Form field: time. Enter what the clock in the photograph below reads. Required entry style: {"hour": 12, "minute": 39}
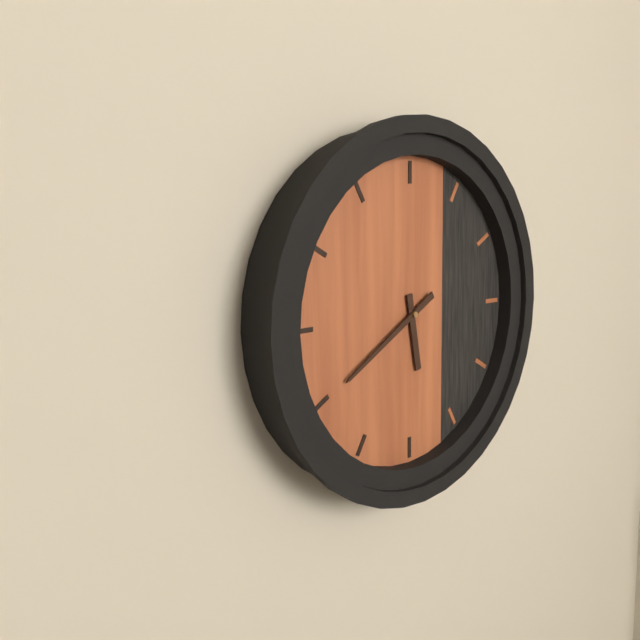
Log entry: {"hour": 5, "minute": 40}
